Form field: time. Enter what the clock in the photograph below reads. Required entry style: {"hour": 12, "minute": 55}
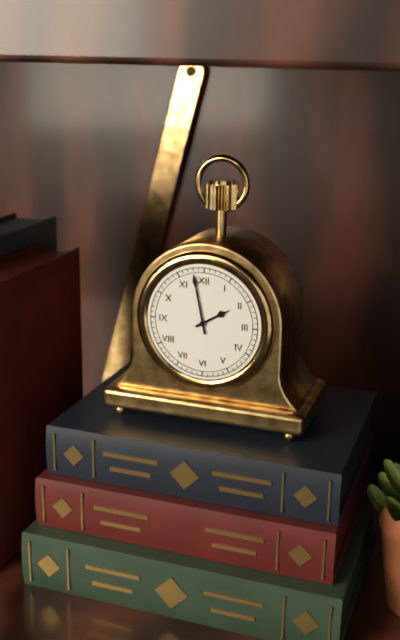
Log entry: {"hour": 1, "minute": 58}
